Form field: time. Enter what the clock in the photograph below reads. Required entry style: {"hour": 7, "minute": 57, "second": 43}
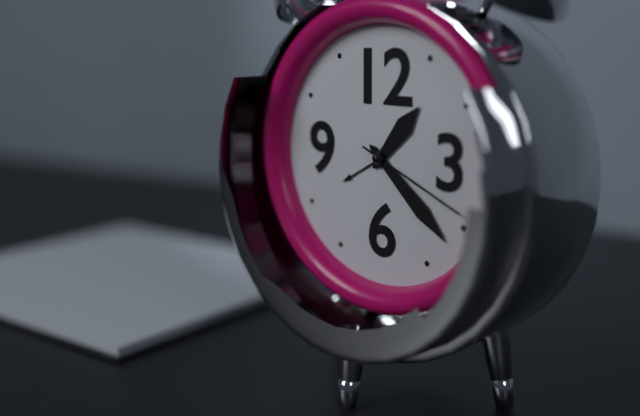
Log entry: {"hour": 1, "minute": 22, "second": 19}
